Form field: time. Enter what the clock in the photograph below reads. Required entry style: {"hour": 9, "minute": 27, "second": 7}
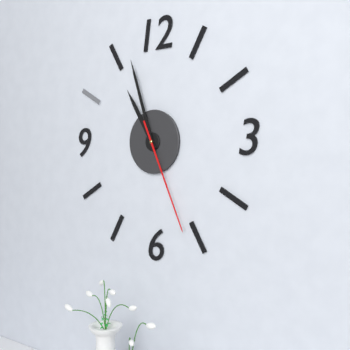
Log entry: {"hour": 10, "minute": 57, "second": 26}
